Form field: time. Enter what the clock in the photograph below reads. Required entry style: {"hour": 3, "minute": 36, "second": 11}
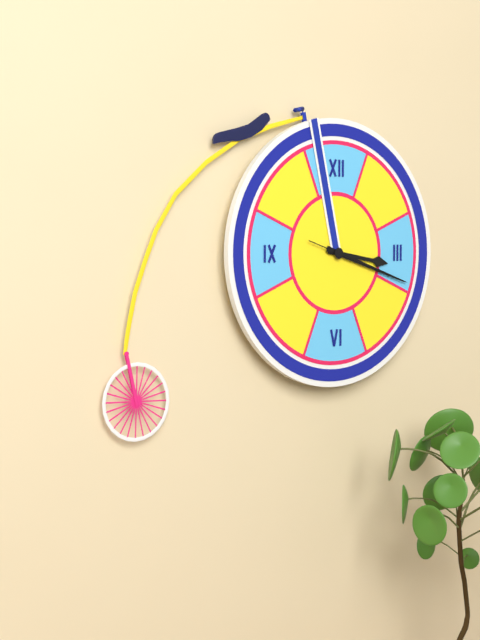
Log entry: {"hour": 3, "minute": 18, "second": 18}
